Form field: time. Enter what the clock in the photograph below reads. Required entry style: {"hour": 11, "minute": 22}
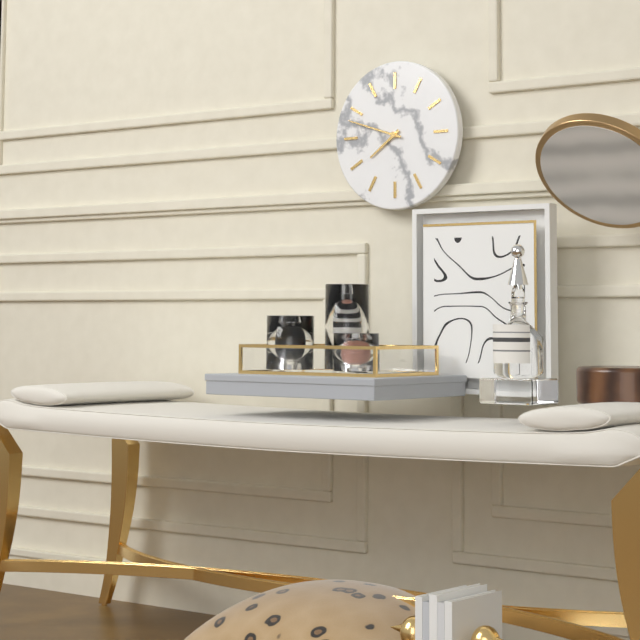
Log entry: {"hour": 7, "minute": 48}
